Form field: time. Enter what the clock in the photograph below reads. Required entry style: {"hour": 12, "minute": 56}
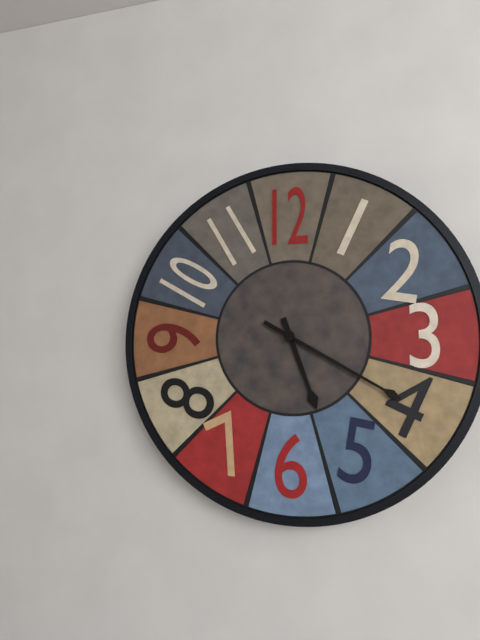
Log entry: {"hour": 5, "minute": 20}
